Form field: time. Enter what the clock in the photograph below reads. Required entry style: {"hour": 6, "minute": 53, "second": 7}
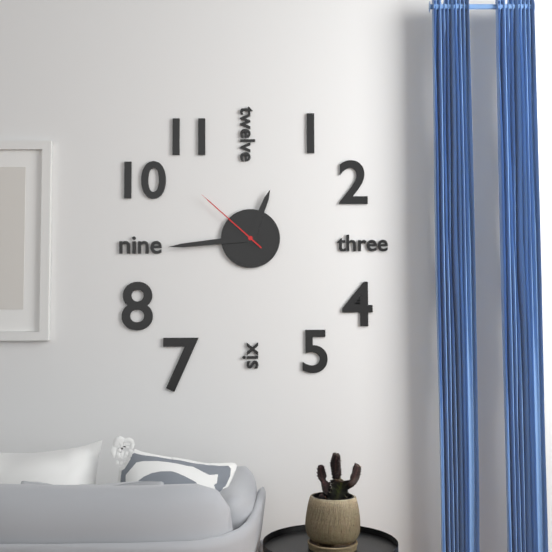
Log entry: {"hour": 12, "minute": 44, "second": 52}
